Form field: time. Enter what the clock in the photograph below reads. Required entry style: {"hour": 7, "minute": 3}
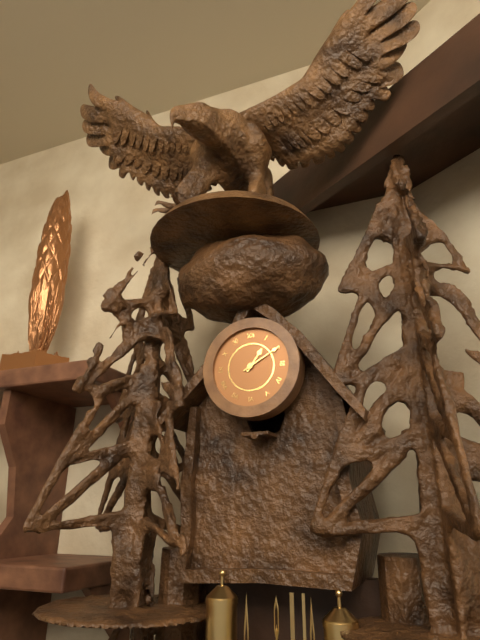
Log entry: {"hour": 1, "minute": 10}
